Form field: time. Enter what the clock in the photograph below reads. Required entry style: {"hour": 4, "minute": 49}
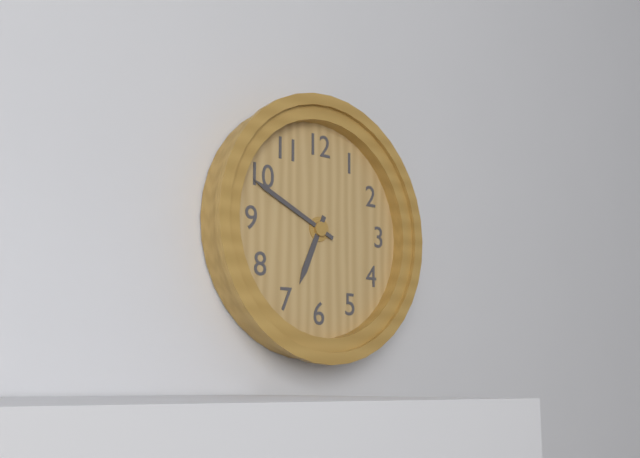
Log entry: {"hour": 6, "minute": 49}
